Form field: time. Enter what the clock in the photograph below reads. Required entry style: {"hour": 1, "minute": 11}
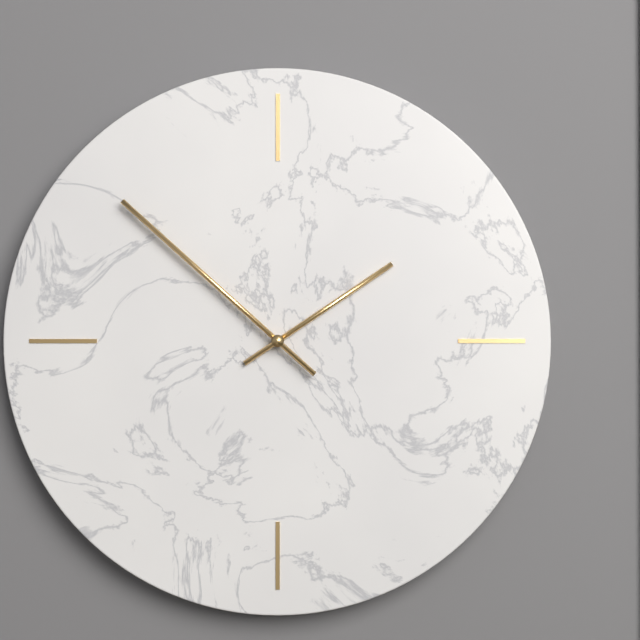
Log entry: {"hour": 1, "minute": 52}
